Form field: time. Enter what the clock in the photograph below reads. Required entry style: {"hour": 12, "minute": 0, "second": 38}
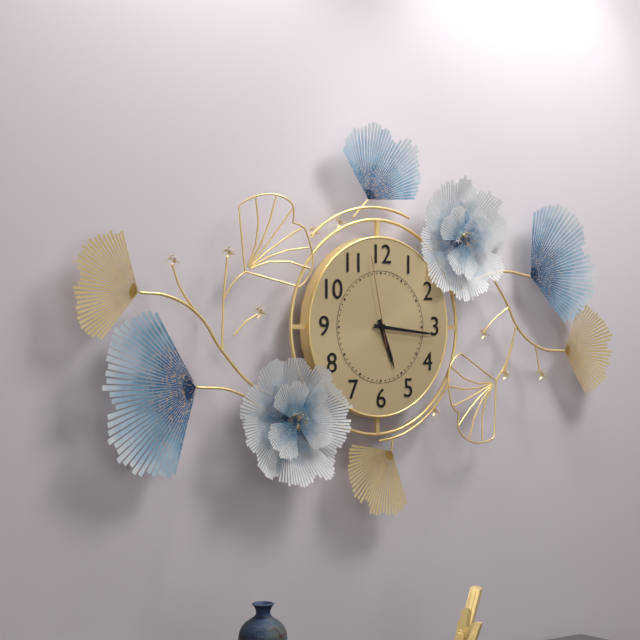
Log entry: {"hour": 5, "minute": 16, "second": 58}
